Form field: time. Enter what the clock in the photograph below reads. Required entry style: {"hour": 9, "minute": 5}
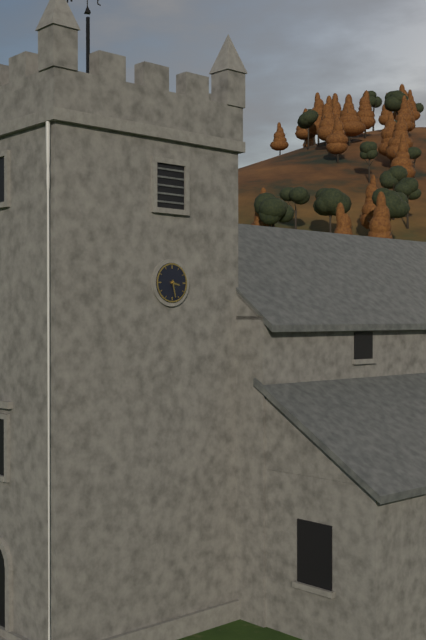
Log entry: {"hour": 3, "minute": 28}
